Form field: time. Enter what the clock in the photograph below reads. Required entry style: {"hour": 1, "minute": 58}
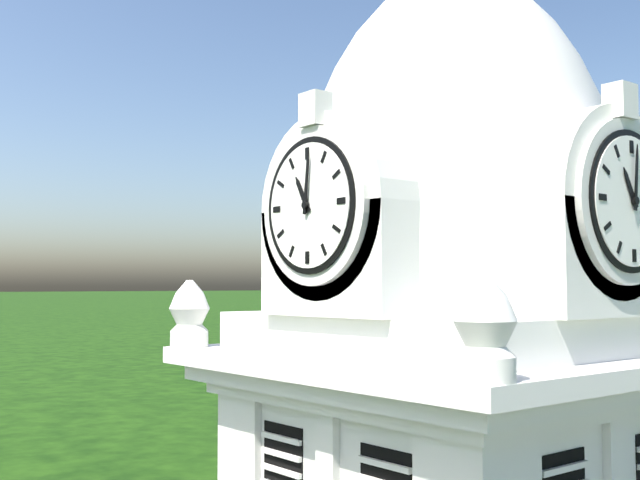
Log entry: {"hour": 11, "minute": 1}
